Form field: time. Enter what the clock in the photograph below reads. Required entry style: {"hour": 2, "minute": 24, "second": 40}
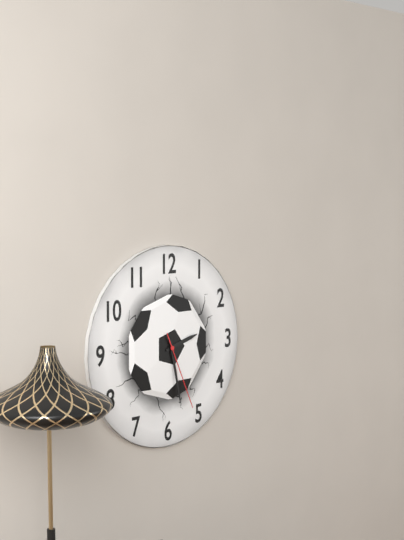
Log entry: {"hour": 2, "minute": 28, "second": 26}
